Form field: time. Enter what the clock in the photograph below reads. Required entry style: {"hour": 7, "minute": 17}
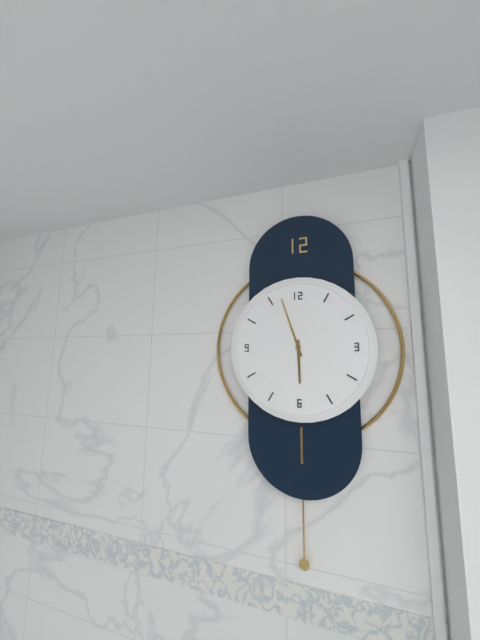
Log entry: {"hour": 5, "minute": 57}
